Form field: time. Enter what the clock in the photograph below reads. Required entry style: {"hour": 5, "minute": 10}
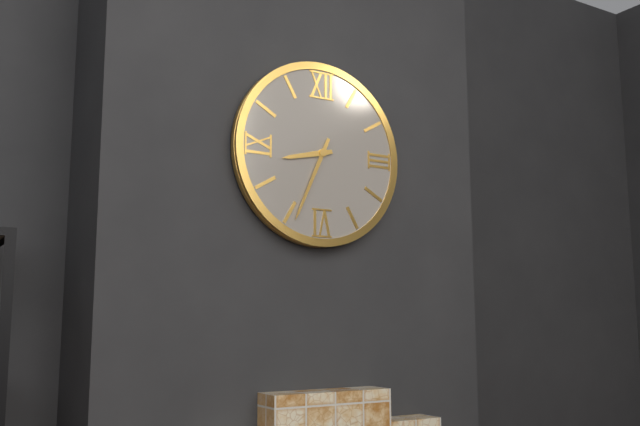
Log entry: {"hour": 8, "minute": 34}
